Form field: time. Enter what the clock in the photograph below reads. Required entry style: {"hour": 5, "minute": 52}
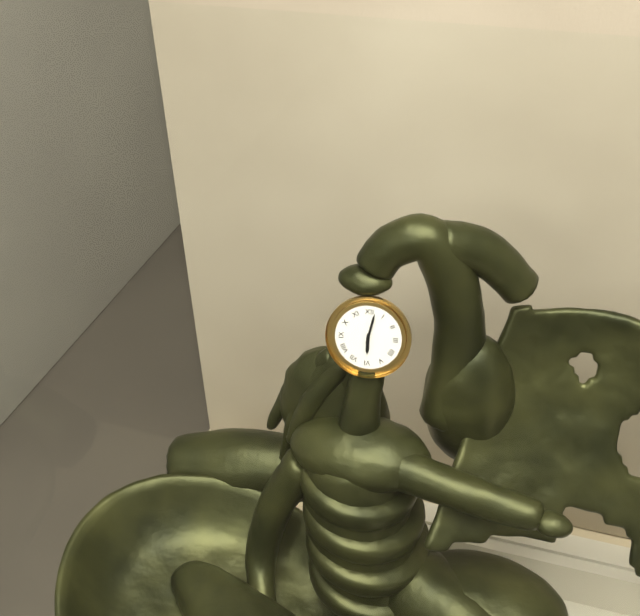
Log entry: {"hour": 6, "minute": 2}
